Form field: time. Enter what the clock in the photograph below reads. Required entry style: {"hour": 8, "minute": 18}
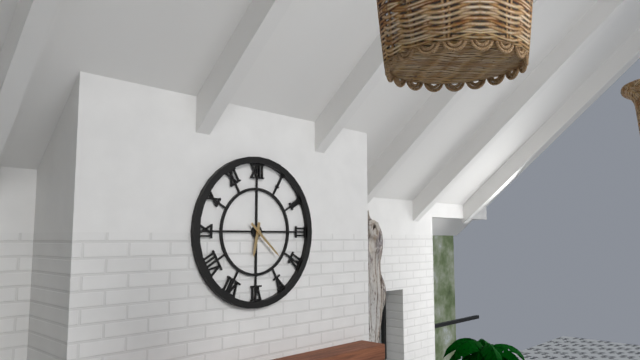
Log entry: {"hour": 6, "minute": 22}
